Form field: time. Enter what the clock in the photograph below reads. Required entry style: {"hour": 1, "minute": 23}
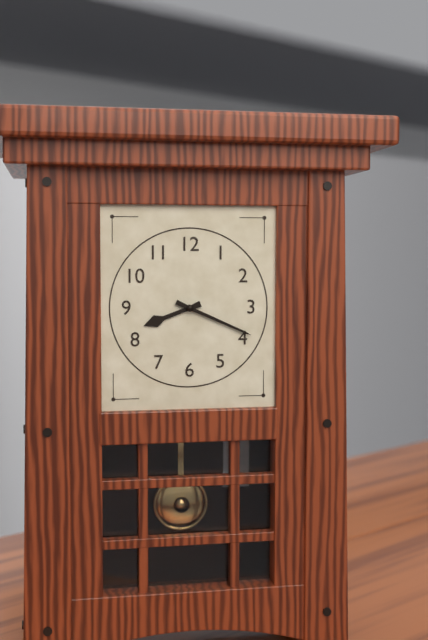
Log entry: {"hour": 8, "minute": 19}
